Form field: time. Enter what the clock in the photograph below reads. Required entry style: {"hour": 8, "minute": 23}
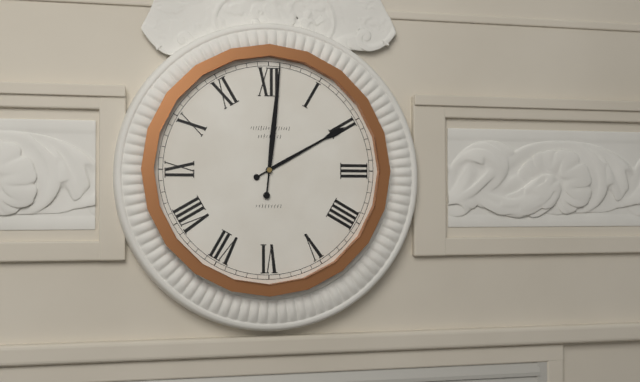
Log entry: {"hour": 2, "minute": 1}
